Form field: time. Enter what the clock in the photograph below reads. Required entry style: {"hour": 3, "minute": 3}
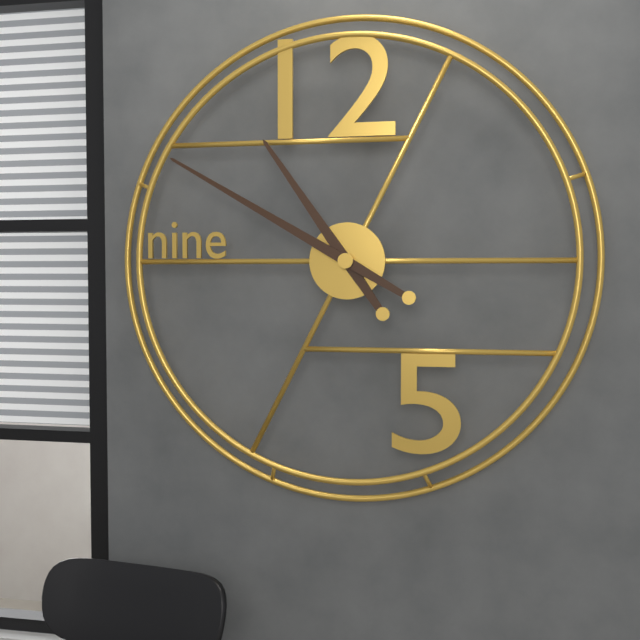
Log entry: {"hour": 10, "minute": 50}
